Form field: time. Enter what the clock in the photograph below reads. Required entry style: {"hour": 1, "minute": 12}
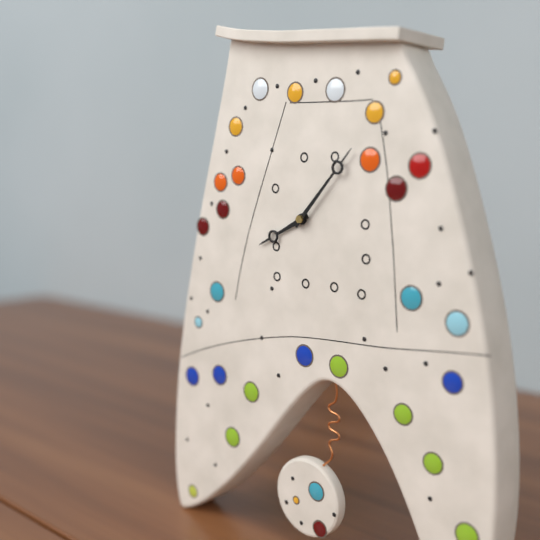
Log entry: {"hour": 8, "minute": 7}
